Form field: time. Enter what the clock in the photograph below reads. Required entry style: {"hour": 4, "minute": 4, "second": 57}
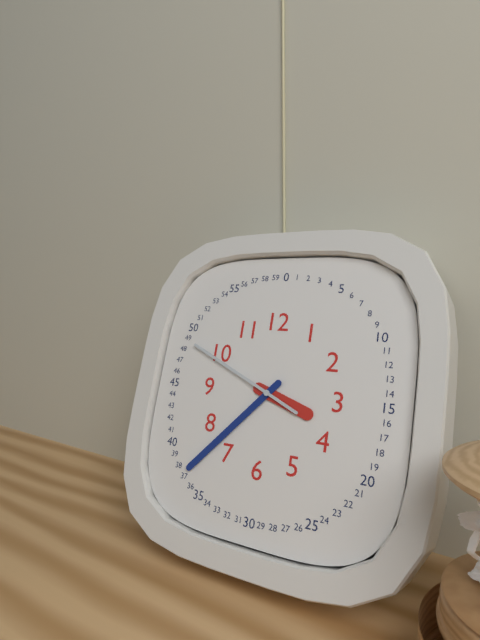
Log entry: {"hour": 3, "minute": 37, "second": 49}
